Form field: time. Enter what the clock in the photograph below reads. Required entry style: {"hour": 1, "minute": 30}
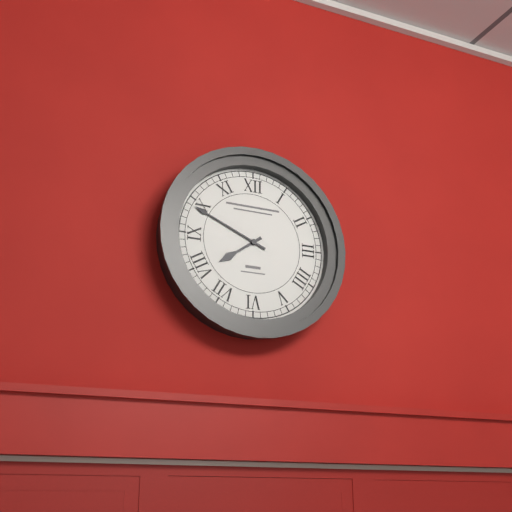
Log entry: {"hour": 7, "minute": 49}
